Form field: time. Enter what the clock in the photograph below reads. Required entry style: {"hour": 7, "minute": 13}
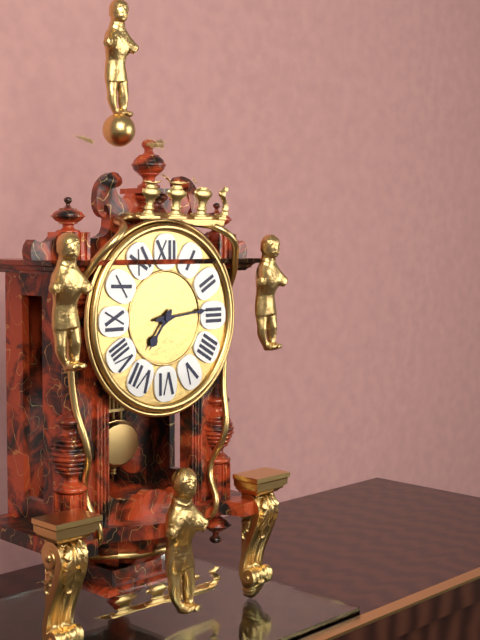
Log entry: {"hour": 7, "minute": 14}
